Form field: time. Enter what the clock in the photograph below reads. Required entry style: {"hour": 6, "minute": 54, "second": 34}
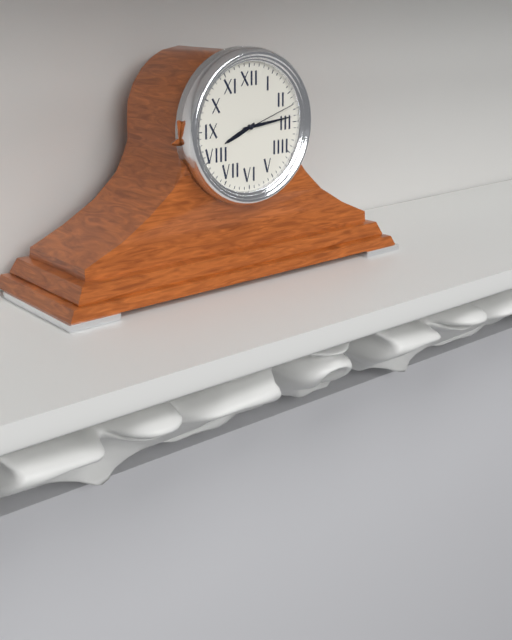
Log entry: {"hour": 8, "minute": 14, "second": 12}
